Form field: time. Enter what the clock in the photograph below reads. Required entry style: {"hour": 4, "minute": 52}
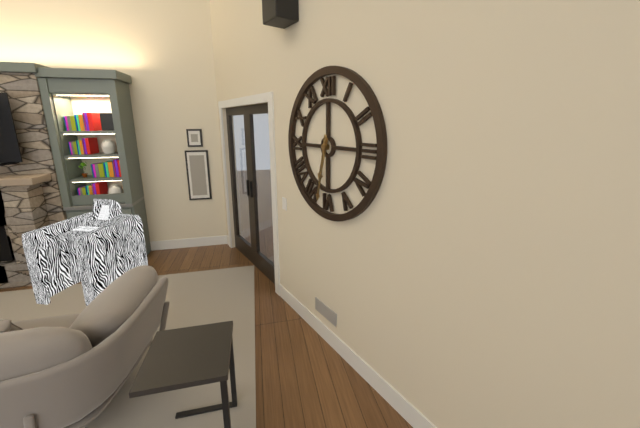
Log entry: {"hour": 6, "minute": 32}
